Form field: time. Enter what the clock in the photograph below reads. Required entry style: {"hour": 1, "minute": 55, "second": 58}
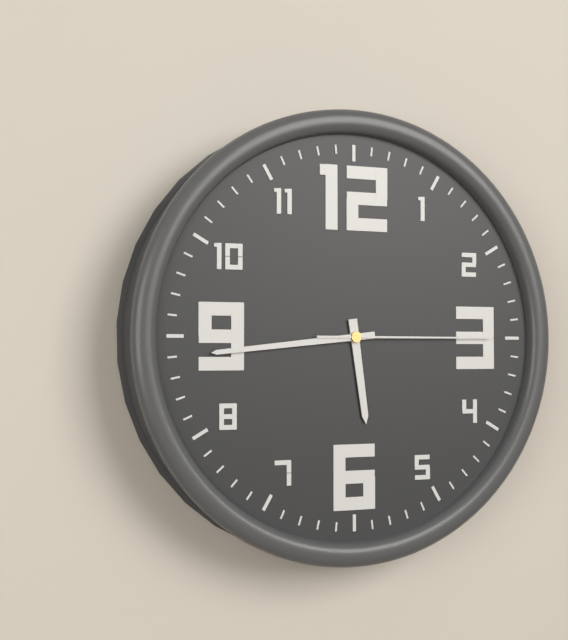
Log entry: {"hour": 5, "minute": 44, "second": 15}
